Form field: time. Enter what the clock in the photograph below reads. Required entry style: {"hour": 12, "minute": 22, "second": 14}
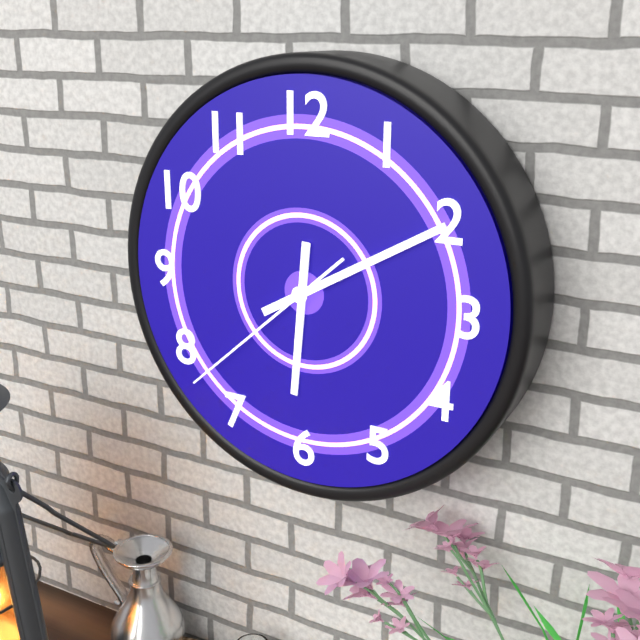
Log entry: {"hour": 6, "minute": 10, "second": 38}
